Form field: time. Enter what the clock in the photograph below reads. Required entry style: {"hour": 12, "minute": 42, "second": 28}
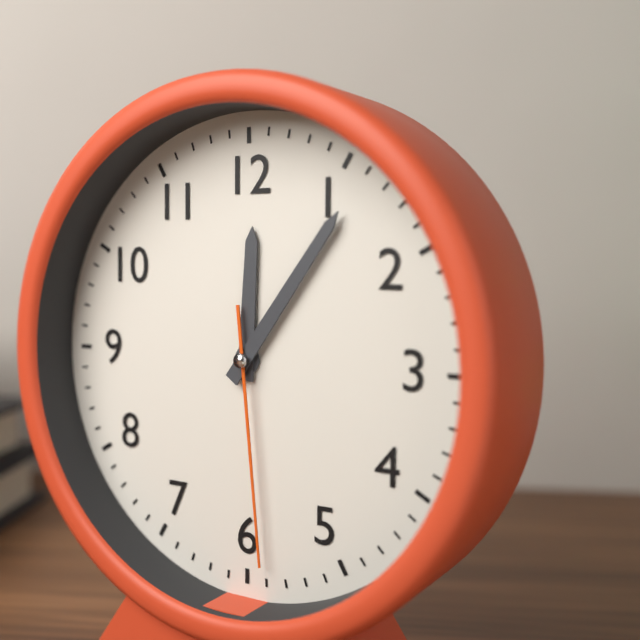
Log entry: {"hour": 12, "minute": 6, "second": 29}
